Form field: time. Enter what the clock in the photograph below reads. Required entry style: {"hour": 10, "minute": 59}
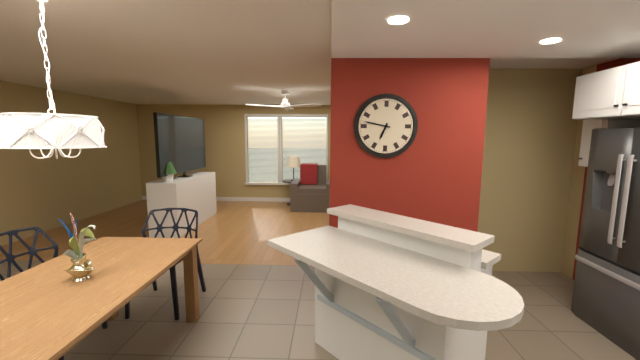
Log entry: {"hour": 6, "minute": 47}
